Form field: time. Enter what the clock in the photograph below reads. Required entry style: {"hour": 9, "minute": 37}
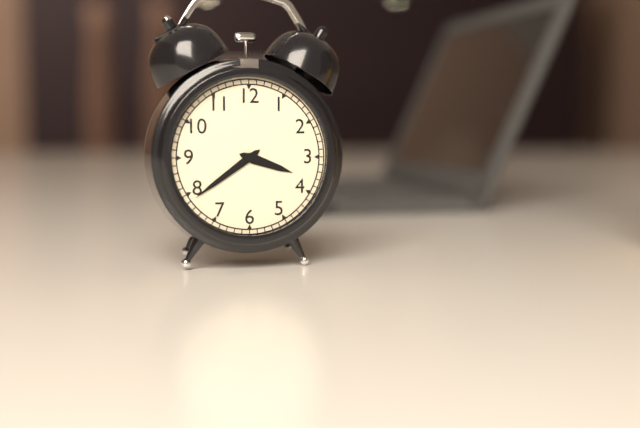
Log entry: {"hour": 3, "minute": 39}
